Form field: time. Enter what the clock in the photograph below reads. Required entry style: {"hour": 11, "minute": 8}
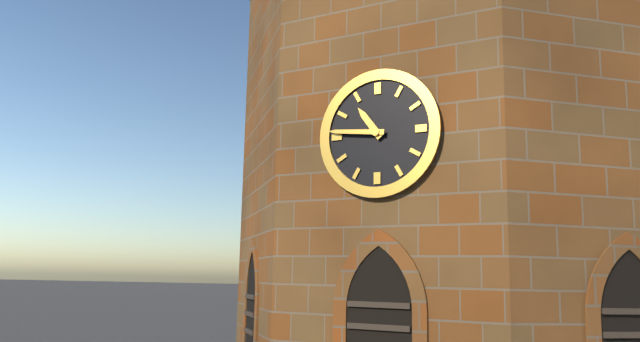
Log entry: {"hour": 10, "minute": 46}
